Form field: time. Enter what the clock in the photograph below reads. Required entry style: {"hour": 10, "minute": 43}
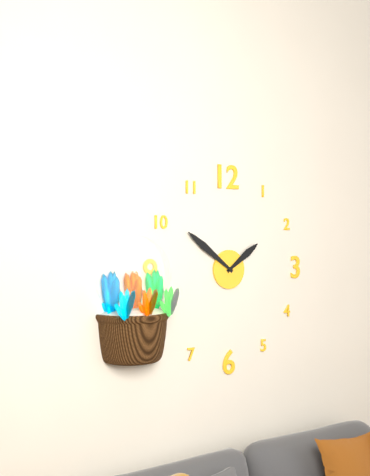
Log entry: {"hour": 1, "minute": 51}
